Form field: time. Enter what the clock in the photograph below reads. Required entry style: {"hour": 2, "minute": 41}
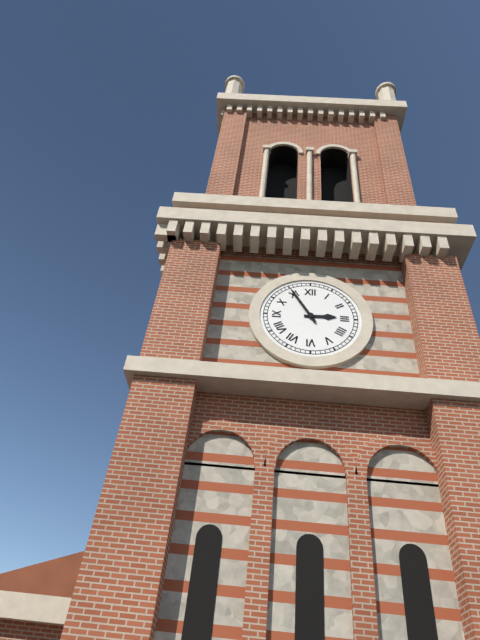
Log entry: {"hour": 2, "minute": 55}
